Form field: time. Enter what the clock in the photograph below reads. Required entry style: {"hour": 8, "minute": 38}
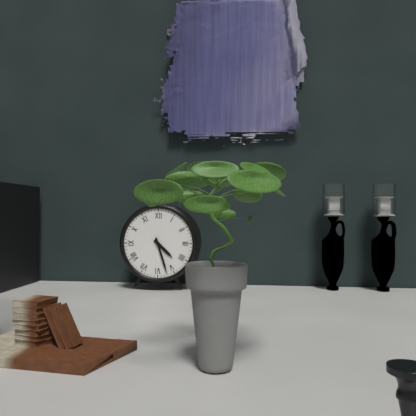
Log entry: {"hour": 4, "minute": 27}
